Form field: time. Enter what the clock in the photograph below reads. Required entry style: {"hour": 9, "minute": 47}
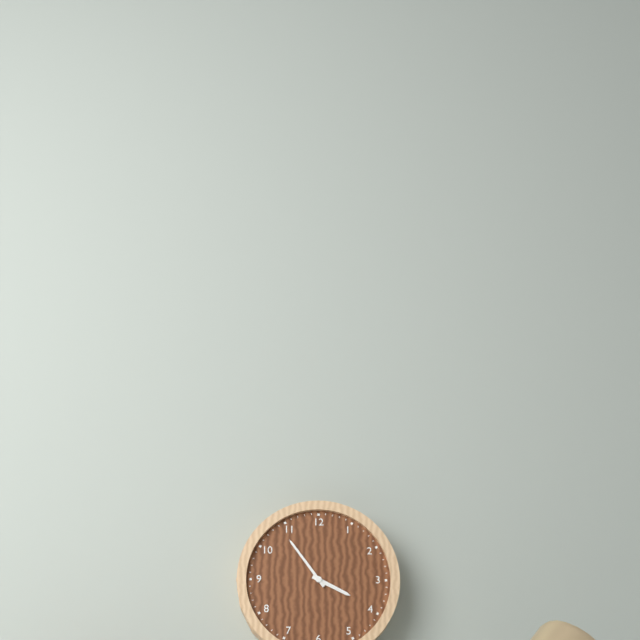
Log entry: {"hour": 3, "minute": 54}
